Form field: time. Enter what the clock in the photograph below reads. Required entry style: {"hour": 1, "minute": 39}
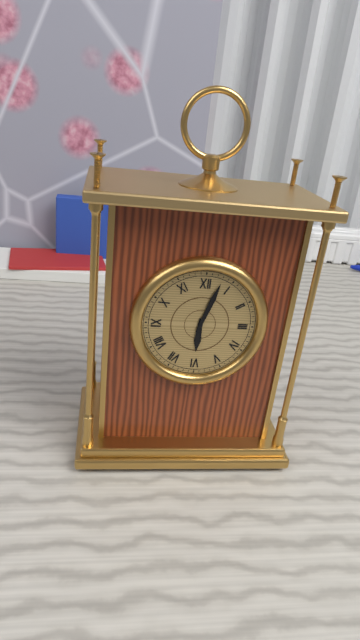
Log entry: {"hour": 6, "minute": 3}
